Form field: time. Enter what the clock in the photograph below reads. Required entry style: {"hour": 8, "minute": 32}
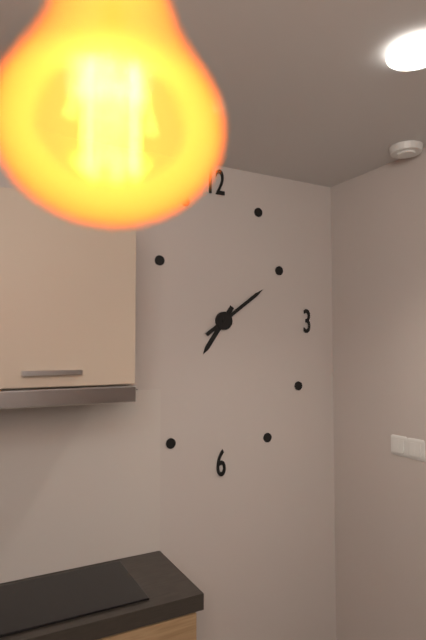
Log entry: {"hour": 7, "minute": 9}
